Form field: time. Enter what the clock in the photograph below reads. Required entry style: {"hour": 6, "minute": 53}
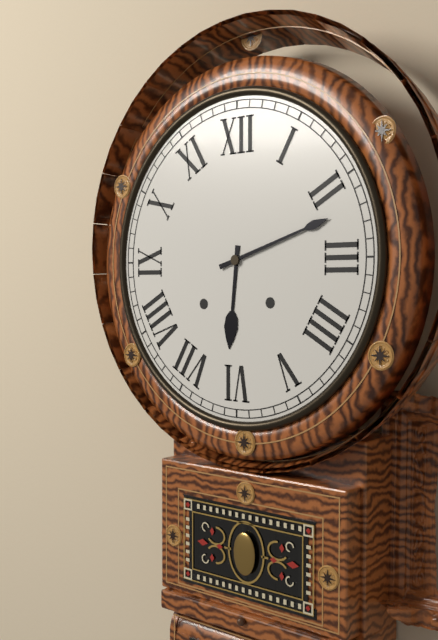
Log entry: {"hour": 6, "minute": 12}
